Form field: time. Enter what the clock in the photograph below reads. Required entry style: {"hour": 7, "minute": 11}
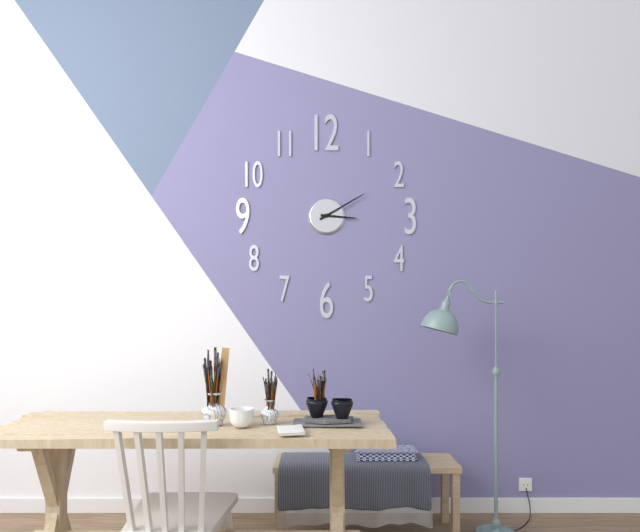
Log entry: {"hour": 3, "minute": 10}
